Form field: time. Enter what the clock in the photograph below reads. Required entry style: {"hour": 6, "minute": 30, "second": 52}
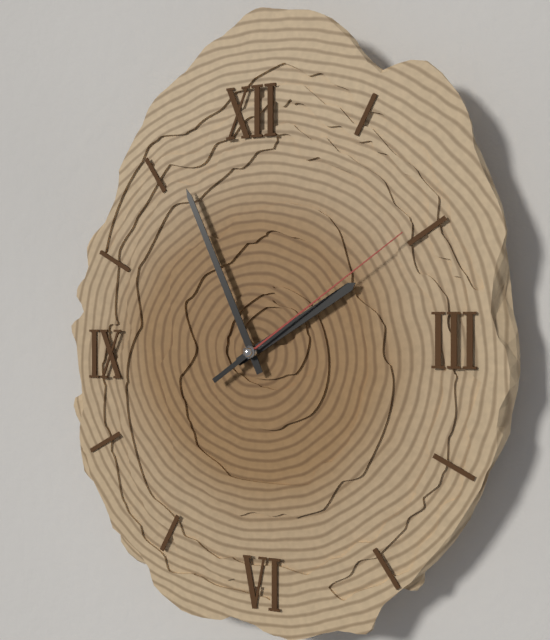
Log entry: {"hour": 1, "minute": 56, "second": 9}
